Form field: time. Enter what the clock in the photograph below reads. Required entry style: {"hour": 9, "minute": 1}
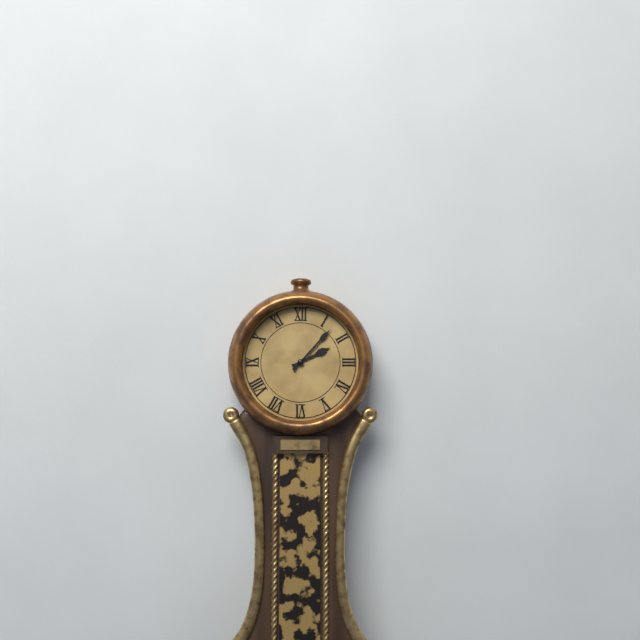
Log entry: {"hour": 2, "minute": 7}
